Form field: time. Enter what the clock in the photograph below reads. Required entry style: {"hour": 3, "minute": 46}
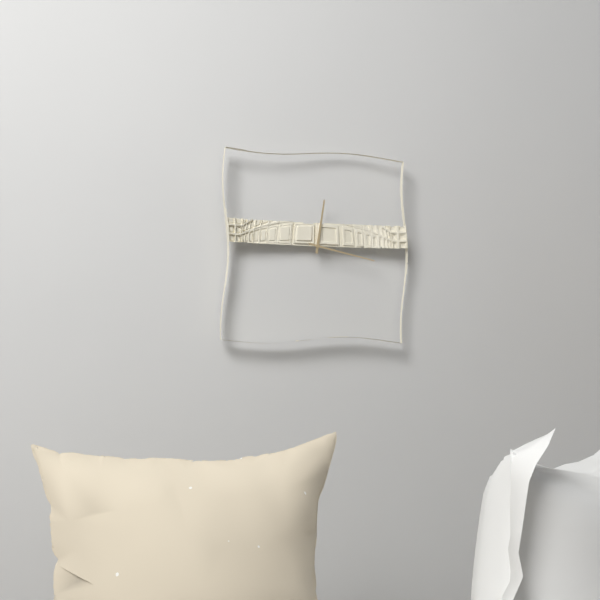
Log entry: {"hour": 12, "minute": 17}
